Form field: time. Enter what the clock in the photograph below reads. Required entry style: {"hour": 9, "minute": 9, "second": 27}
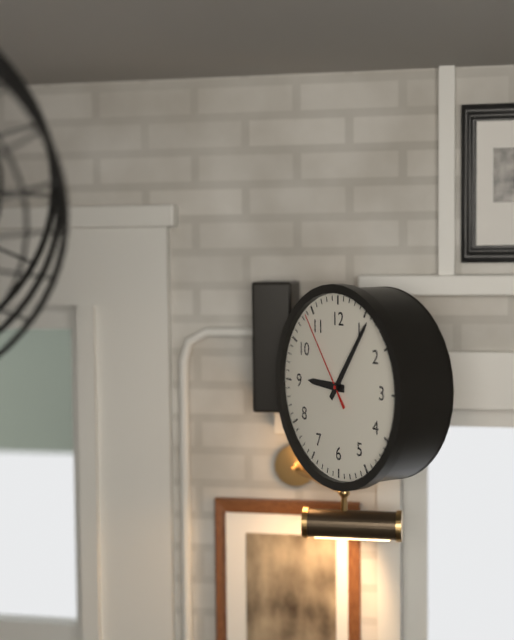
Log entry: {"hour": 9, "minute": 6, "second": 54}
